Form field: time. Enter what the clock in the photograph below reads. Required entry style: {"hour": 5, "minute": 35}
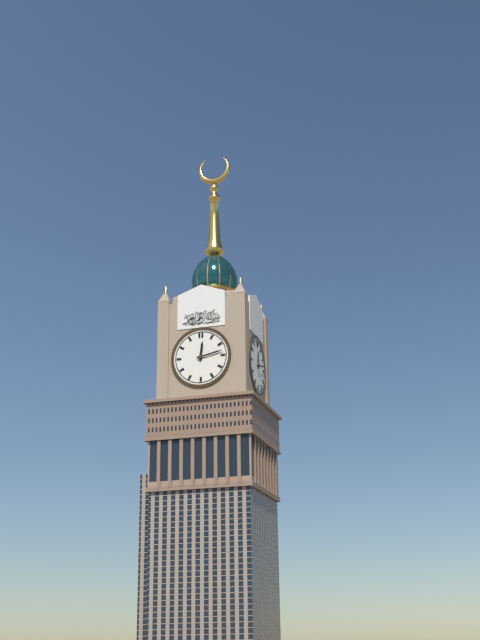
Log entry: {"hour": 12, "minute": 13}
